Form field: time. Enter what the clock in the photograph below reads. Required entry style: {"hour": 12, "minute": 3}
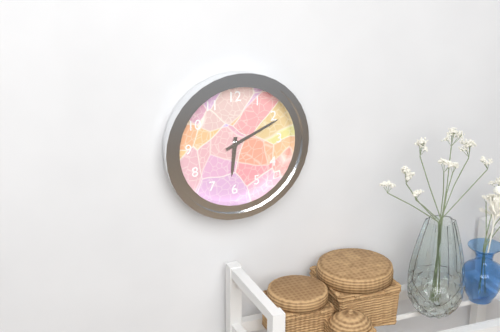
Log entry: {"hour": 6, "minute": 11}
